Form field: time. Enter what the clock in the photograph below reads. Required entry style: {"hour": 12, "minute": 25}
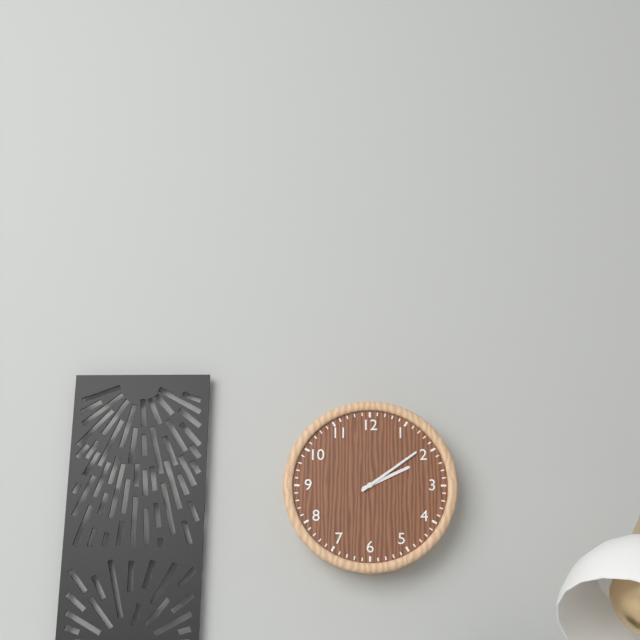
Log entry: {"hour": 2, "minute": 9}
